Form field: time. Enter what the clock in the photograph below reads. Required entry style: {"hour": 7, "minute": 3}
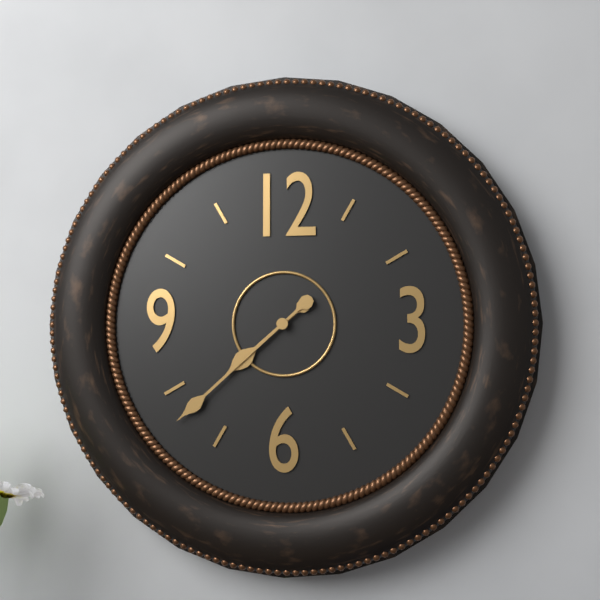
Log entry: {"hour": 7, "minute": 38}
